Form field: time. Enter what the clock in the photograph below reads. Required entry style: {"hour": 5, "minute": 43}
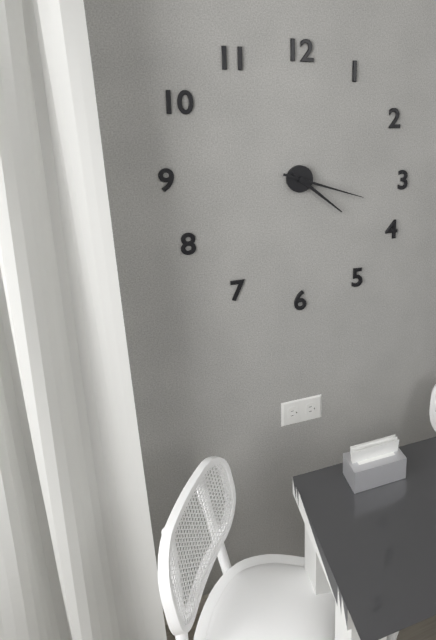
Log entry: {"hour": 4, "minute": 18}
